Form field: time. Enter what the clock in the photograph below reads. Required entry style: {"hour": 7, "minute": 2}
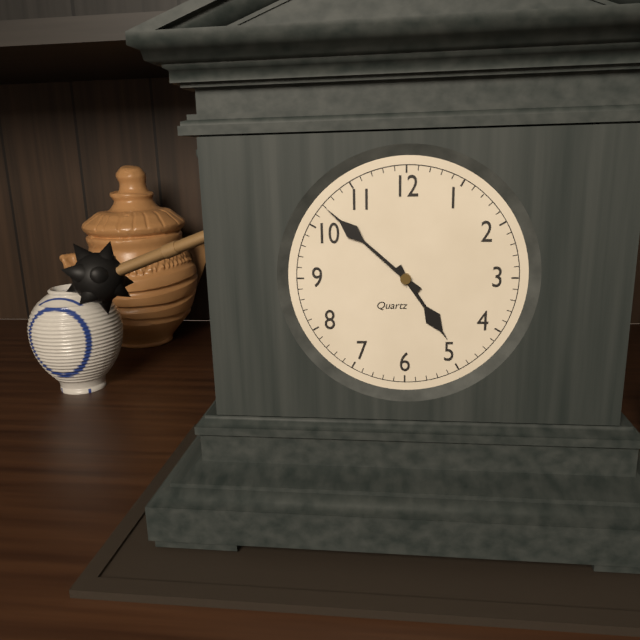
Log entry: {"hour": 4, "minute": 52}
